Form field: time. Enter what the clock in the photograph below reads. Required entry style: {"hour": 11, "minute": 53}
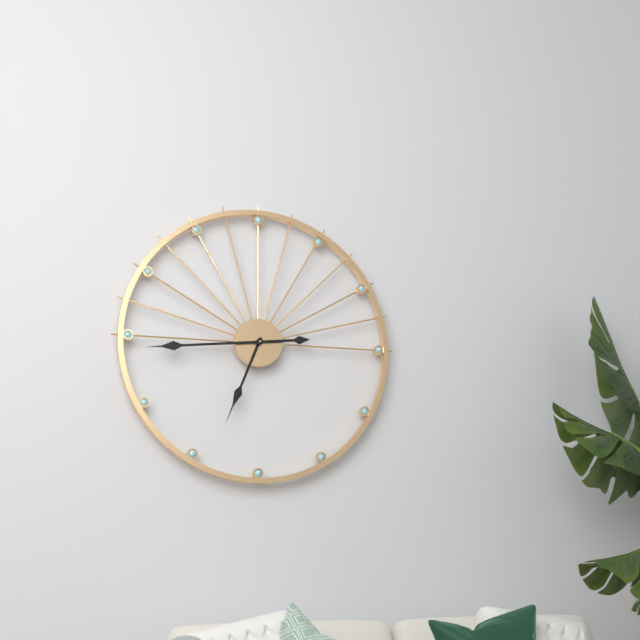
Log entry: {"hour": 6, "minute": 44}
